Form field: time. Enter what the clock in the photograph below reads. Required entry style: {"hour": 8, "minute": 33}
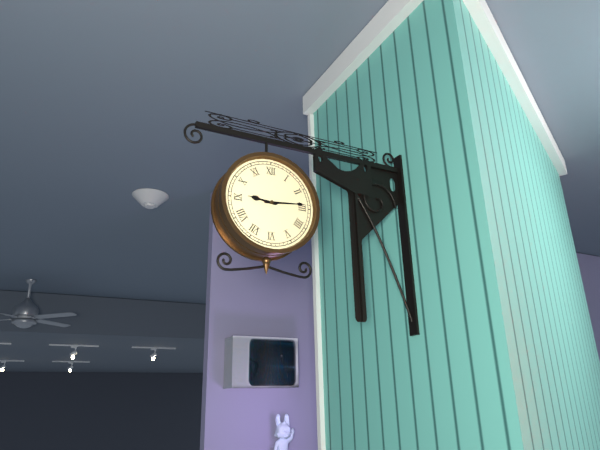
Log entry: {"hour": 9, "minute": 14}
